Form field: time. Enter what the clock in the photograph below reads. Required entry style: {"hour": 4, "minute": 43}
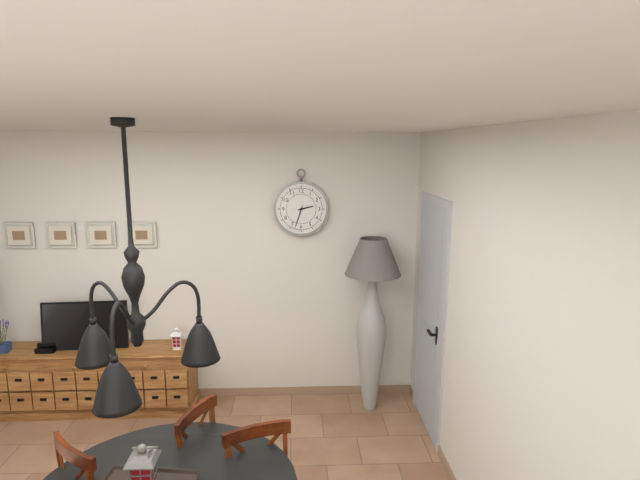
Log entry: {"hour": 2, "minute": 33}
